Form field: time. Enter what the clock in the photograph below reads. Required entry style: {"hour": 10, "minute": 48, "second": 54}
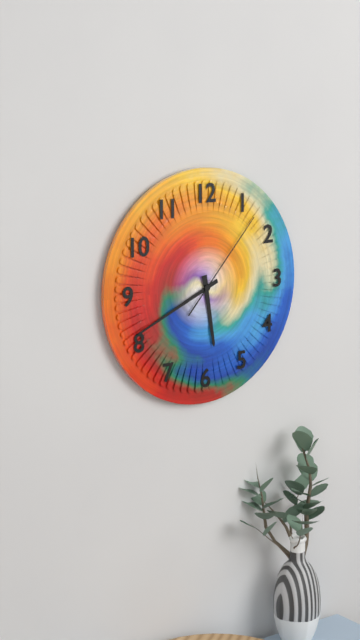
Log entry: {"hour": 5, "minute": 41, "second": 7}
